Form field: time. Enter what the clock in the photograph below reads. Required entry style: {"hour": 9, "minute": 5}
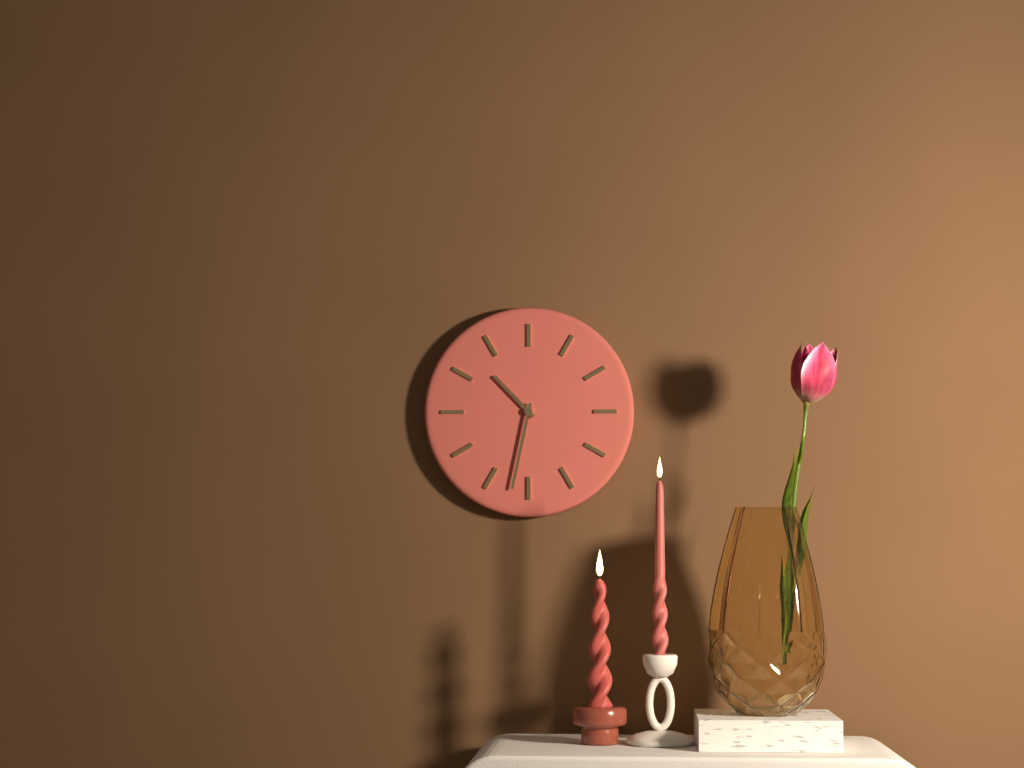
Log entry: {"hour": 10, "minute": 32}
